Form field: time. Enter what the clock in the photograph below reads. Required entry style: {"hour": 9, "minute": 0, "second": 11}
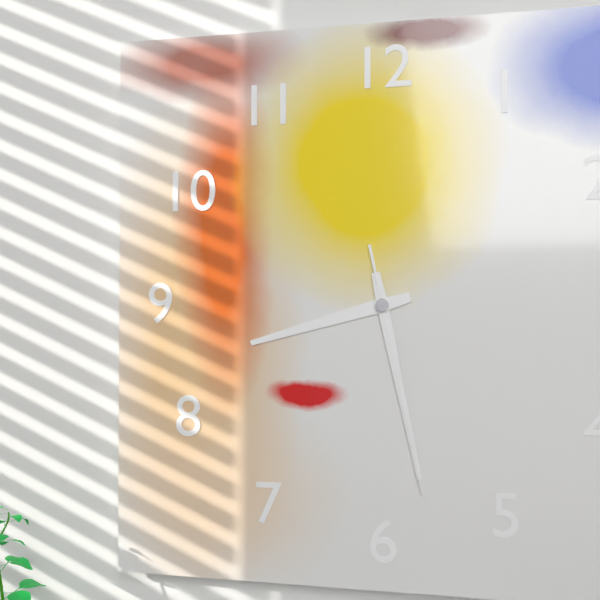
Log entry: {"hour": 8, "minute": 28, "second": 28}
